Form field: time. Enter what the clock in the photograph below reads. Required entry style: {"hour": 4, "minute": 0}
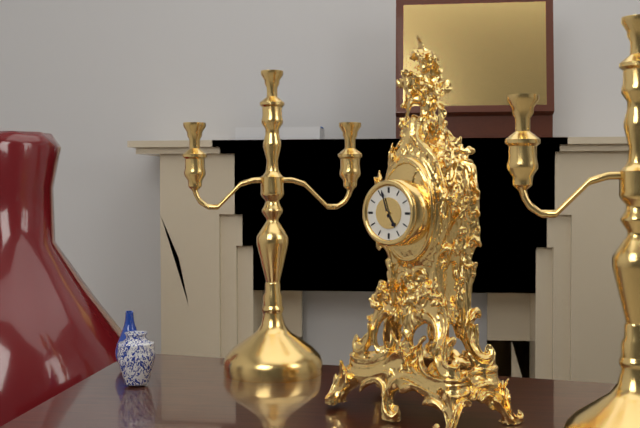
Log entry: {"hour": 4, "minute": 57}
